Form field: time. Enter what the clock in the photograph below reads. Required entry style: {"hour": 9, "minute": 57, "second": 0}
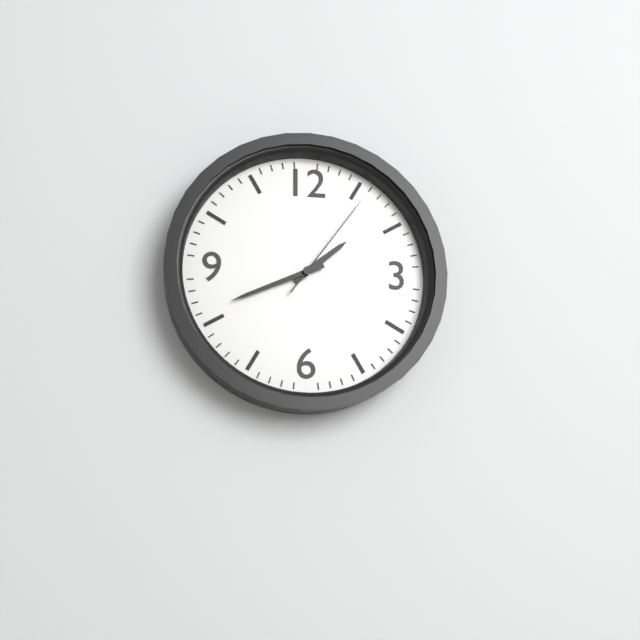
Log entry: {"hour": 1, "minute": 41, "second": 6}
